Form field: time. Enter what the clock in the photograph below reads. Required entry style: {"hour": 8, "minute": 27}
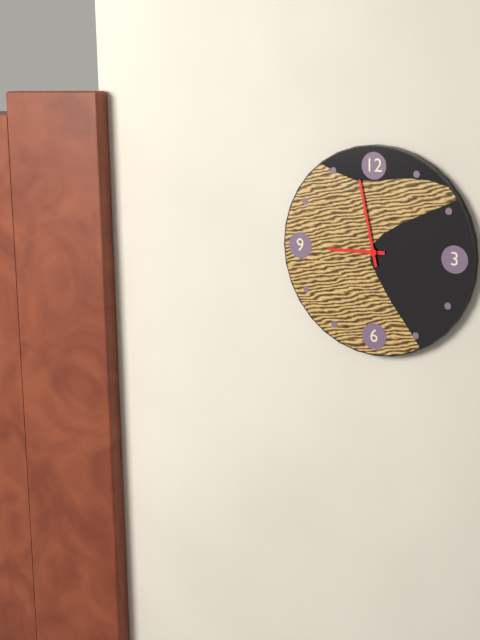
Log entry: {"hour": 8, "minute": 58}
